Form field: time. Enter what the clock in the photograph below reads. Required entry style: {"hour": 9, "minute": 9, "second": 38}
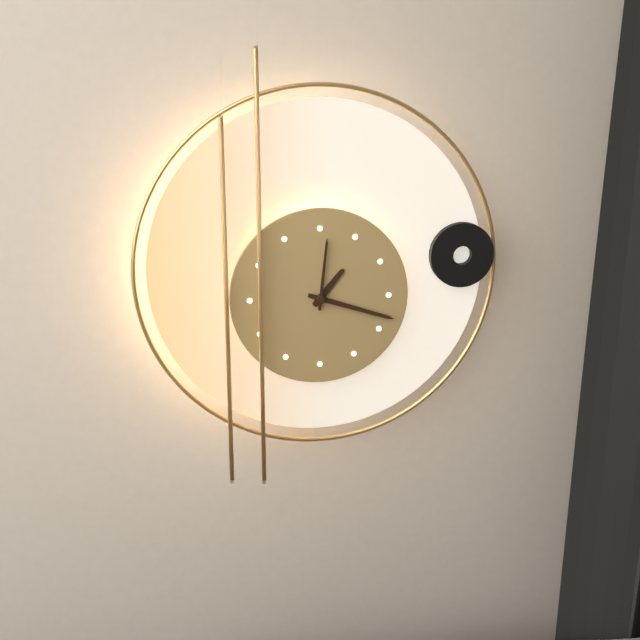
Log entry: {"hour": 1, "minute": 18, "second": 1}
